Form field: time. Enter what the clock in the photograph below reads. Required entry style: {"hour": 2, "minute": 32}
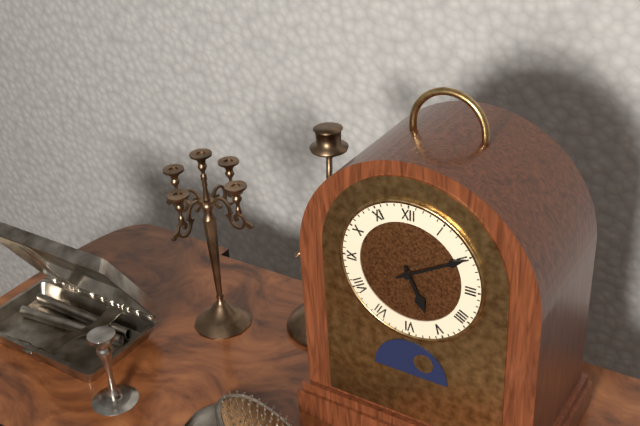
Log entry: {"hour": 5, "minute": 10}
